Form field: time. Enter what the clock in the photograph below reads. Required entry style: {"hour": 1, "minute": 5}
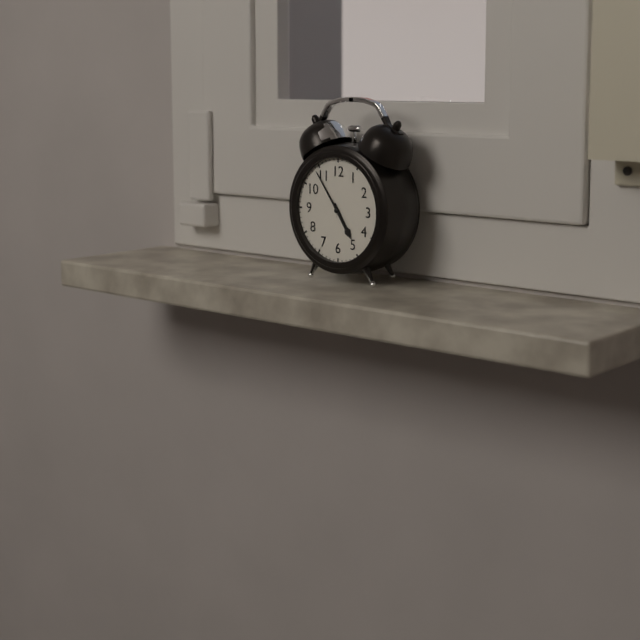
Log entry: {"hour": 4, "minute": 54}
